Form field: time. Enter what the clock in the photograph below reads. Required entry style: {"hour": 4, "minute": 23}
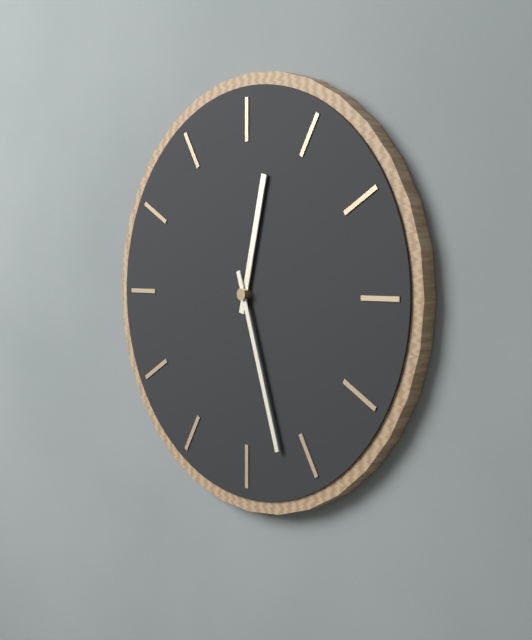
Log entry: {"hour": 12, "minute": 27}
